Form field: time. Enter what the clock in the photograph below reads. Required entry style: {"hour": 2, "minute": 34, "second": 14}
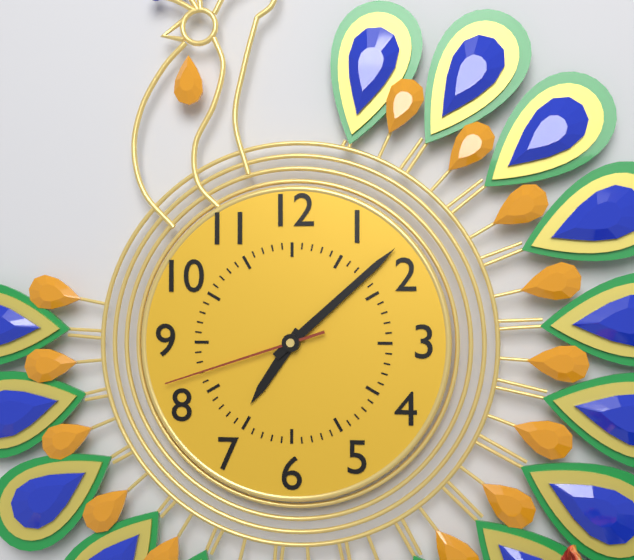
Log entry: {"hour": 7, "minute": 8, "second": 42}
